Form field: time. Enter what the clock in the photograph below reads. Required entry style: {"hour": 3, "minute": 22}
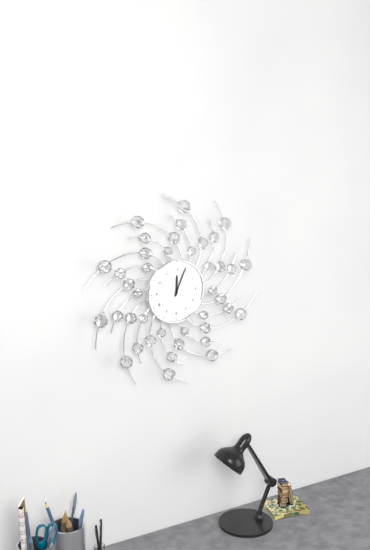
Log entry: {"hour": 12, "minute": 4}
